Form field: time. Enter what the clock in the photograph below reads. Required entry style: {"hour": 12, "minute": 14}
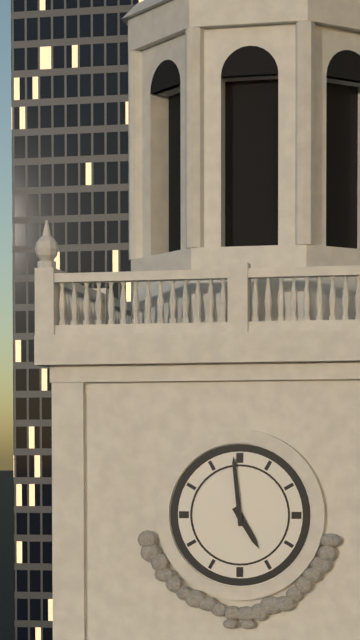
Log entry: {"hour": 4, "minute": 59}
